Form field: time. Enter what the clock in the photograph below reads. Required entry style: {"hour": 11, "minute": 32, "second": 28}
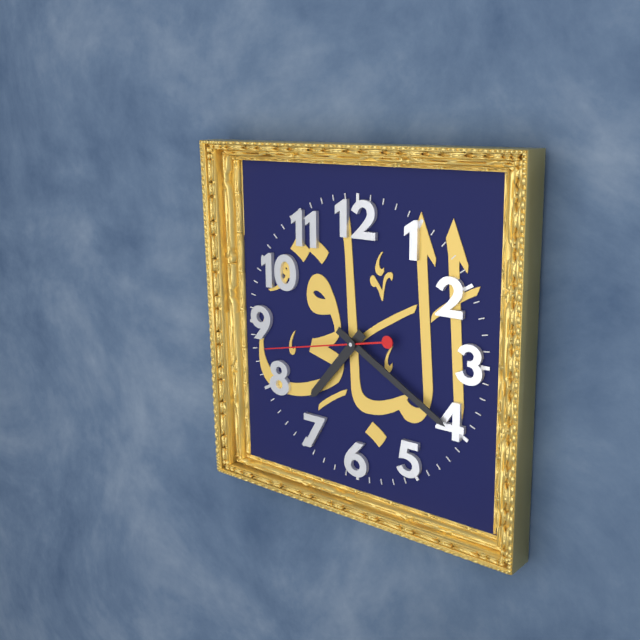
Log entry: {"hour": 7, "minute": 20, "second": 43}
